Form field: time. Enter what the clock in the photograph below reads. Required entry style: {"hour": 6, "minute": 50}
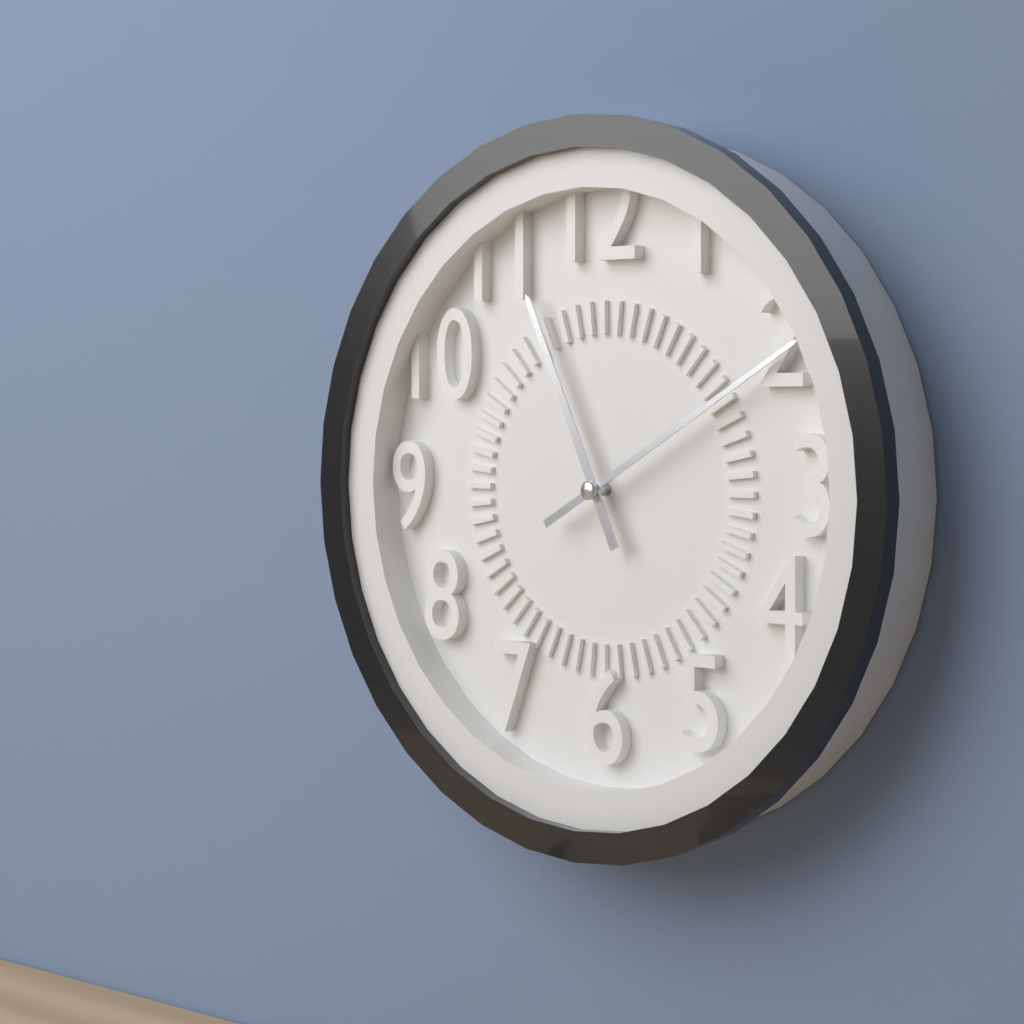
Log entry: {"hour": 11, "minute": 10}
